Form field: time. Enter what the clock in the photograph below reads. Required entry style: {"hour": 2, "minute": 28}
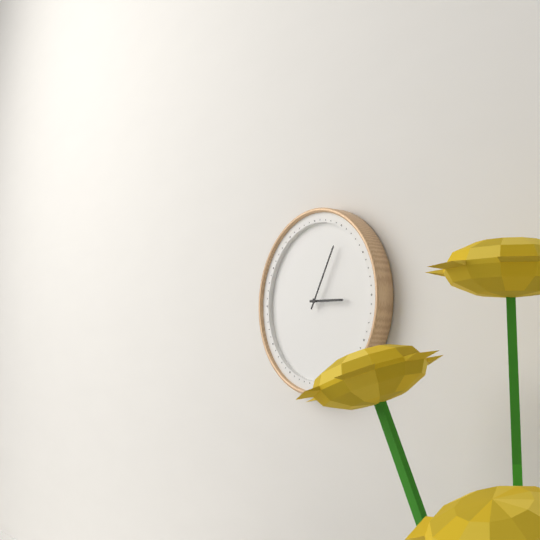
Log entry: {"hour": 3, "minute": 5}
